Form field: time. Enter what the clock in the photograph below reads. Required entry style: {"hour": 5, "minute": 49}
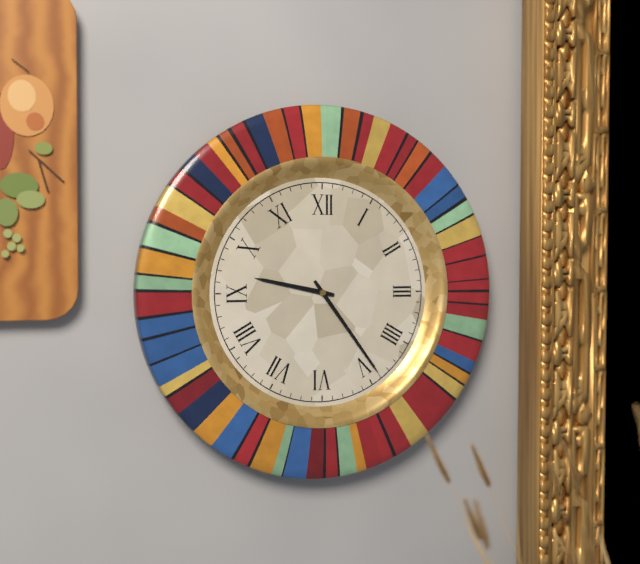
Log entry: {"hour": 9, "minute": 24}
